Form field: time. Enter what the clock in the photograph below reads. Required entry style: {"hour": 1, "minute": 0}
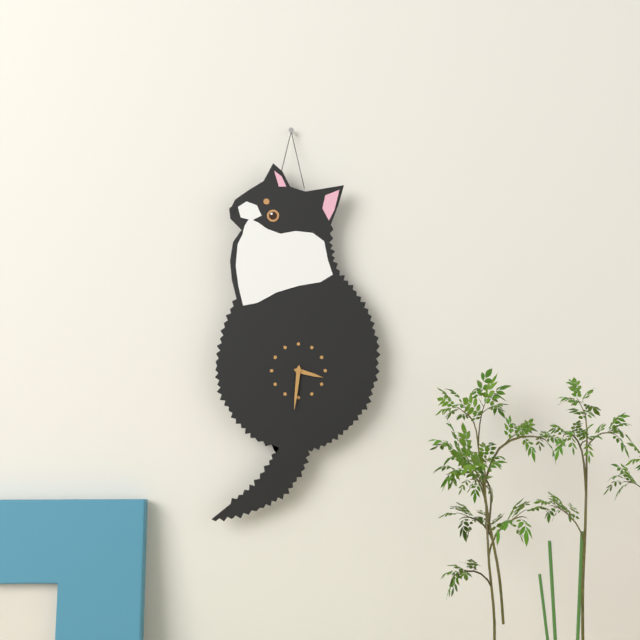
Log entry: {"hour": 3, "minute": 31}
